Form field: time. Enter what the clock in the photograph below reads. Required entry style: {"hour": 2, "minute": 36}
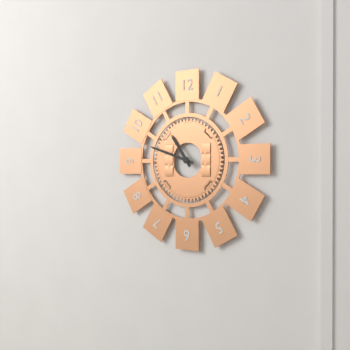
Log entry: {"hour": 10, "minute": 48}
